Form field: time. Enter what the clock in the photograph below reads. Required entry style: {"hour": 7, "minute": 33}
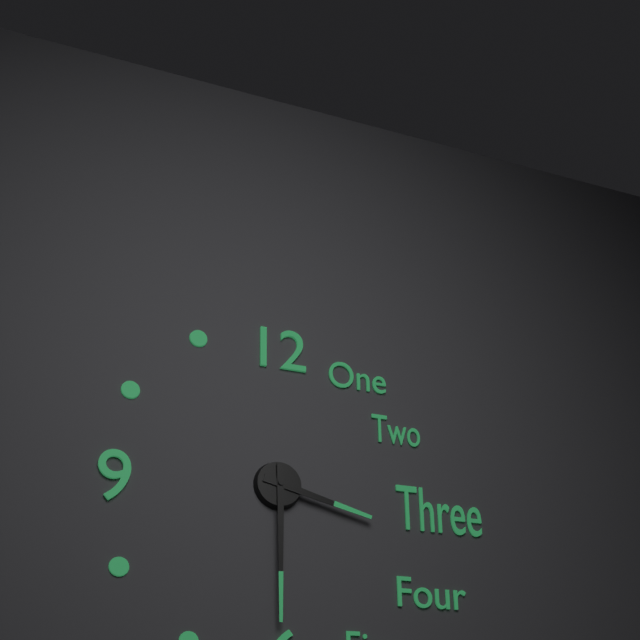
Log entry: {"hour": 3, "minute": 30}
